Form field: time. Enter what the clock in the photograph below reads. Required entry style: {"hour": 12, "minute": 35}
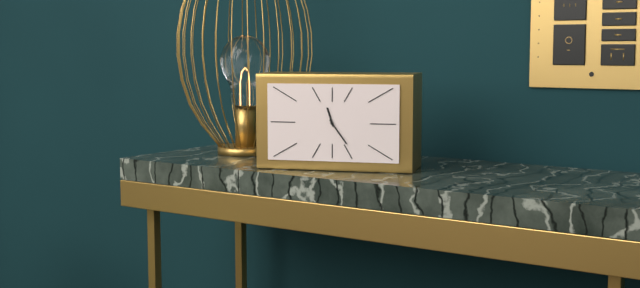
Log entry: {"hour": 11, "minute": 24}
